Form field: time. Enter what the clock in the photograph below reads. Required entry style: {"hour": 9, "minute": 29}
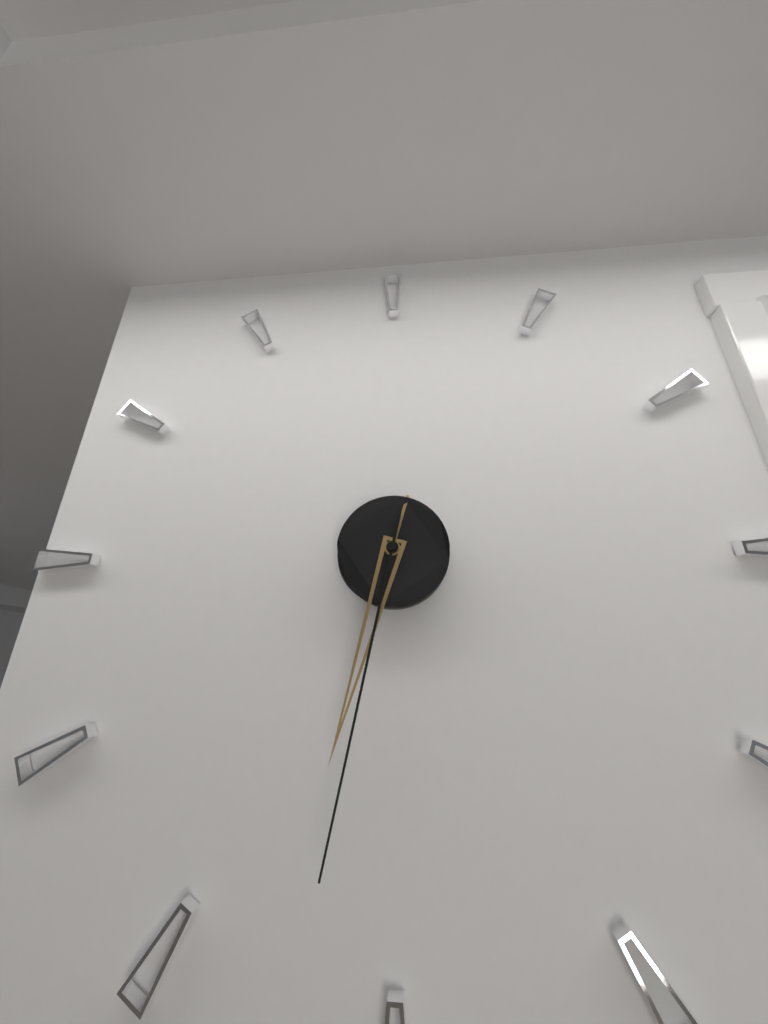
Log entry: {"hour": 6, "minute": 32}
